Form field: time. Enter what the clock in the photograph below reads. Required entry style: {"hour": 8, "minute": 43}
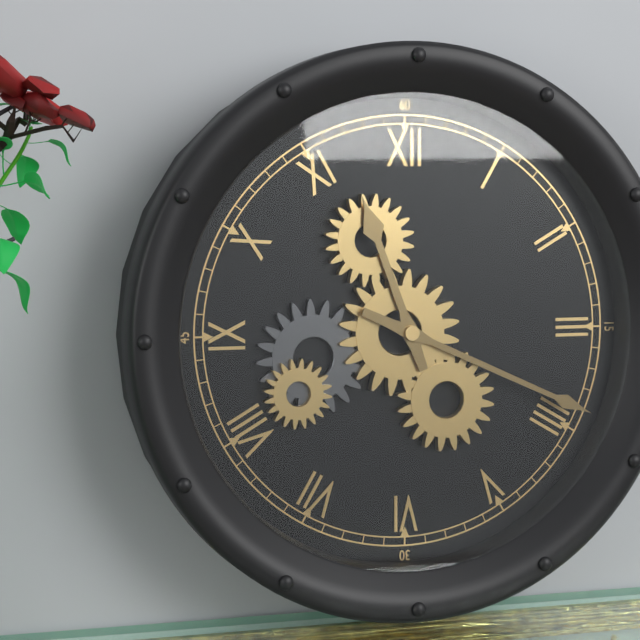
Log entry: {"hour": 11, "minute": 19}
